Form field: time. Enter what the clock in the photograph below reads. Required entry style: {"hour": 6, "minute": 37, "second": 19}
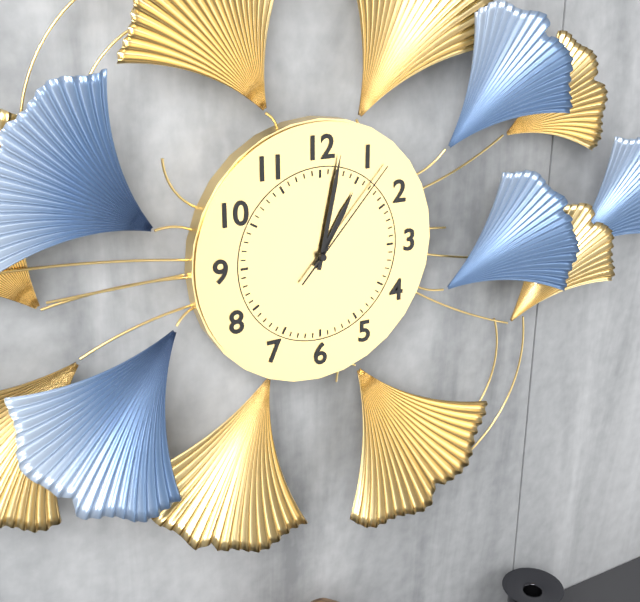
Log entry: {"hour": 1, "minute": 2, "second": 7}
